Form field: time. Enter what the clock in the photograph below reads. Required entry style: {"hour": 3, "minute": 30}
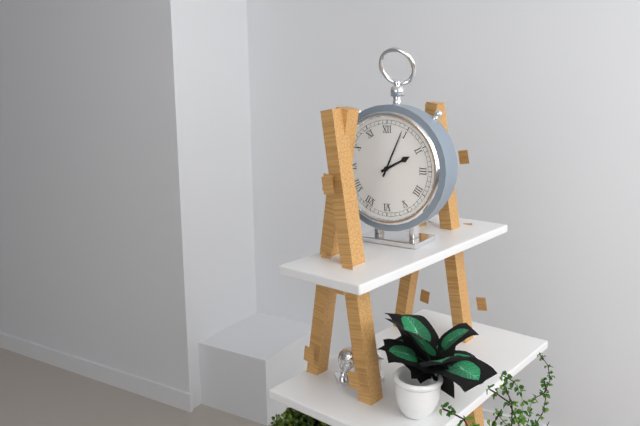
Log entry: {"hour": 2, "minute": 4}
